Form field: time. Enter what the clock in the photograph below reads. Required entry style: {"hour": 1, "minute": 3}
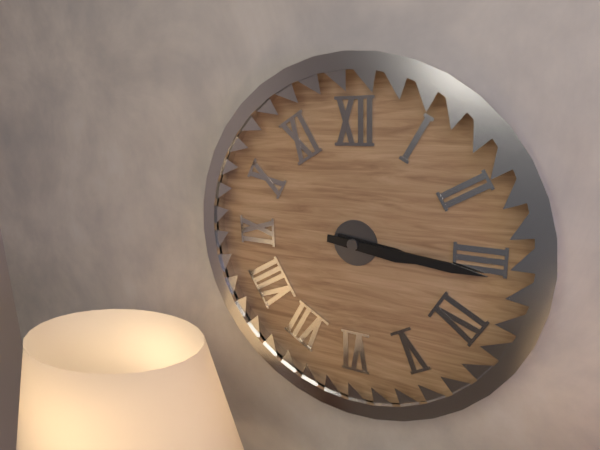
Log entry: {"hour": 3, "minute": 16}
